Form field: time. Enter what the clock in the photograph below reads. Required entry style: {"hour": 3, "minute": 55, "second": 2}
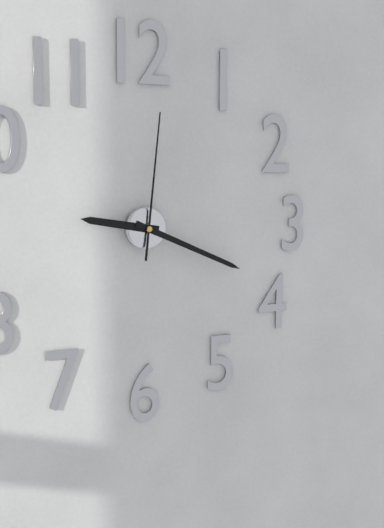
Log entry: {"hour": 9, "minute": 19, "second": 1}
